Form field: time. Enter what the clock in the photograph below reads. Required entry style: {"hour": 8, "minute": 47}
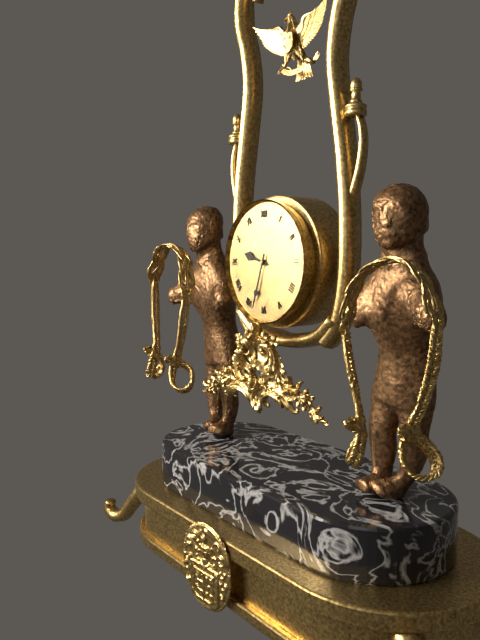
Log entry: {"hour": 9, "minute": 33}
